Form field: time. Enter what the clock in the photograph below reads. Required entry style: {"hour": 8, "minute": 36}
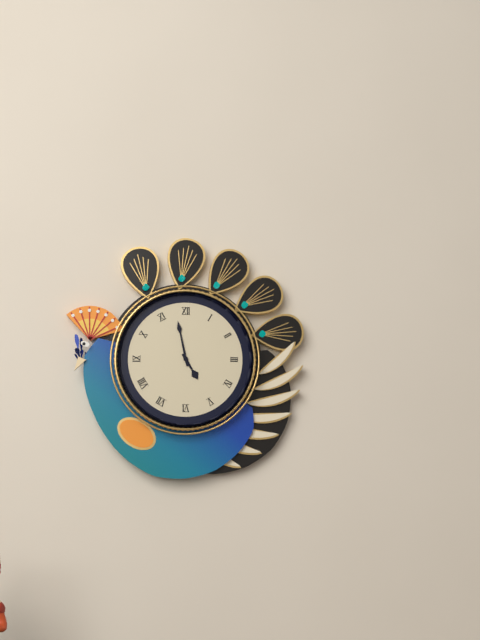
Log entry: {"hour": 4, "minute": 58}
